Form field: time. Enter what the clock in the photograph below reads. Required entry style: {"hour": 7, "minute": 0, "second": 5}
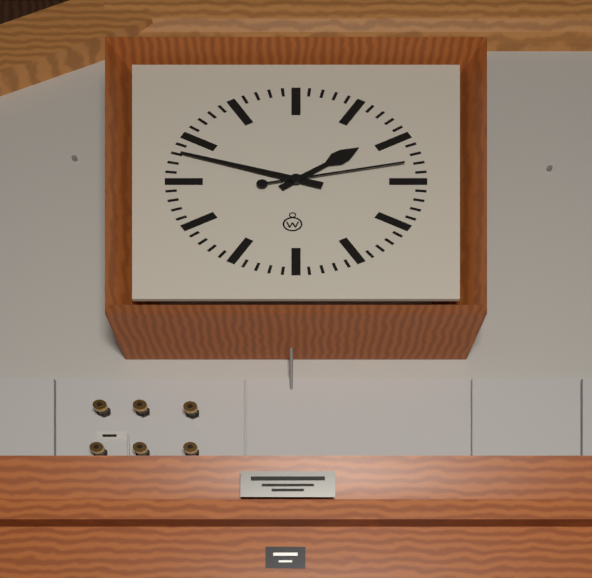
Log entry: {"hour": 1, "minute": 48, "second": 13}
